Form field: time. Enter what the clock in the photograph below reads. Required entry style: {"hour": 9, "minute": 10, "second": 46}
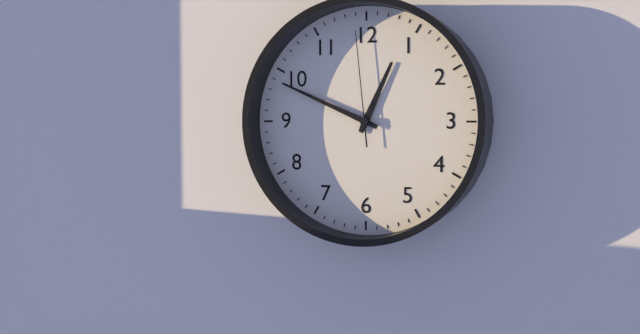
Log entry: {"hour": 12, "minute": 49, "second": 59}
